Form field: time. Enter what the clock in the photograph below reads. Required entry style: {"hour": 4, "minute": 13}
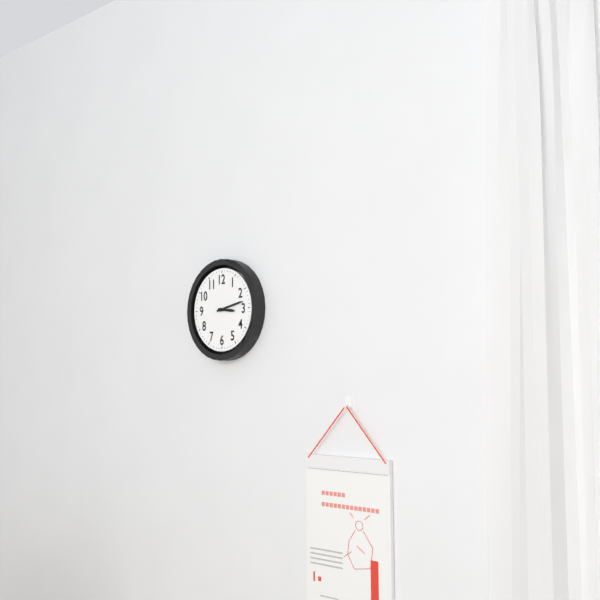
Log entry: {"hour": 3, "minute": 13}
